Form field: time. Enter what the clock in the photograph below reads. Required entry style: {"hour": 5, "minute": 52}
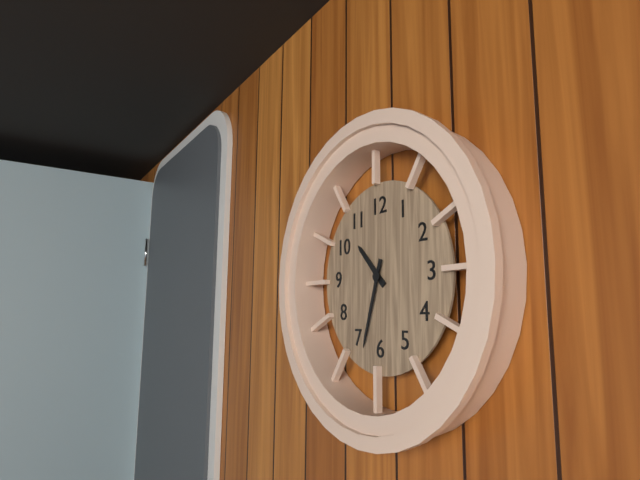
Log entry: {"hour": 10, "minute": 33}
